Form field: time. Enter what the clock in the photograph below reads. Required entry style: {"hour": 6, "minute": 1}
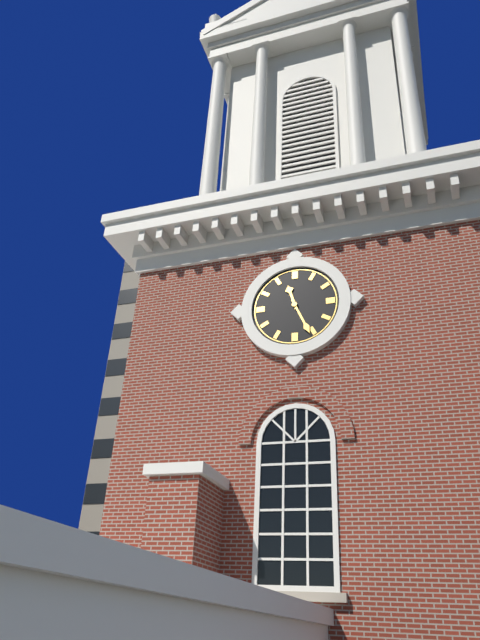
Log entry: {"hour": 11, "minute": 26}
